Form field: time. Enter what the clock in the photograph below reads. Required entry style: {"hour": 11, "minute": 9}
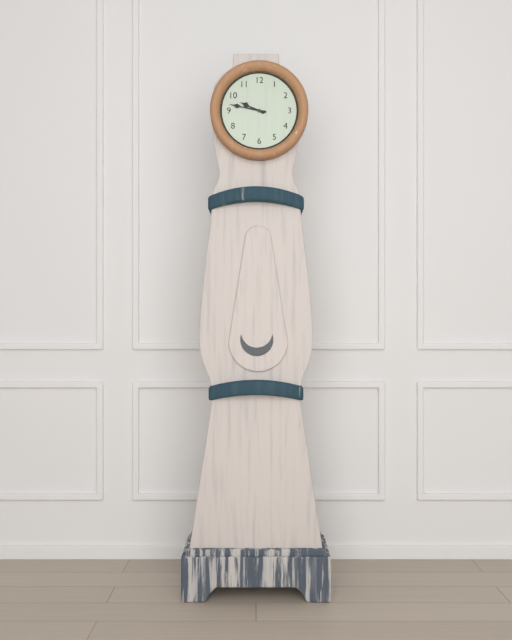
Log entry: {"hour": 9, "minute": 47}
